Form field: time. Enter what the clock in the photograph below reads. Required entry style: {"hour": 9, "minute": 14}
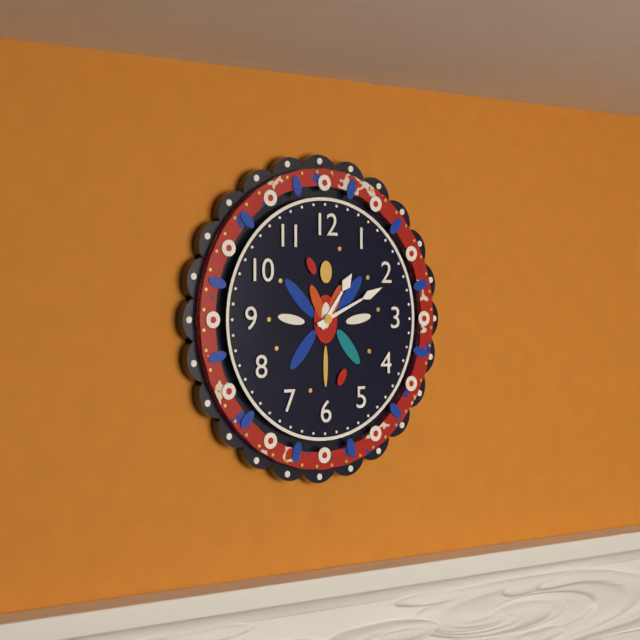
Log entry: {"hour": 1, "minute": 11}
